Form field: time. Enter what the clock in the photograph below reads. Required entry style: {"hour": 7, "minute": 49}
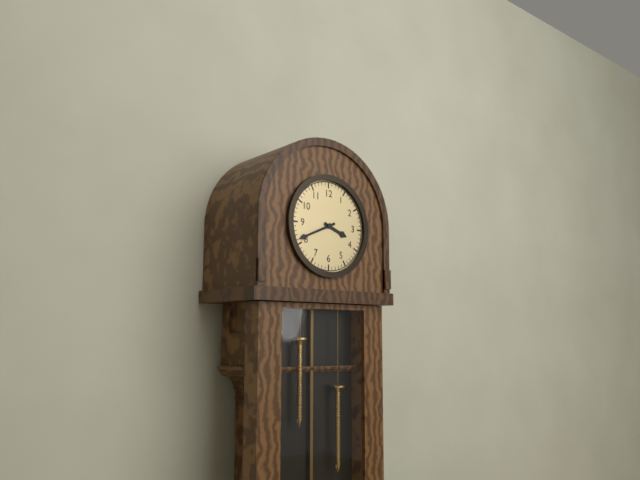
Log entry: {"hour": 3, "minute": 41}
